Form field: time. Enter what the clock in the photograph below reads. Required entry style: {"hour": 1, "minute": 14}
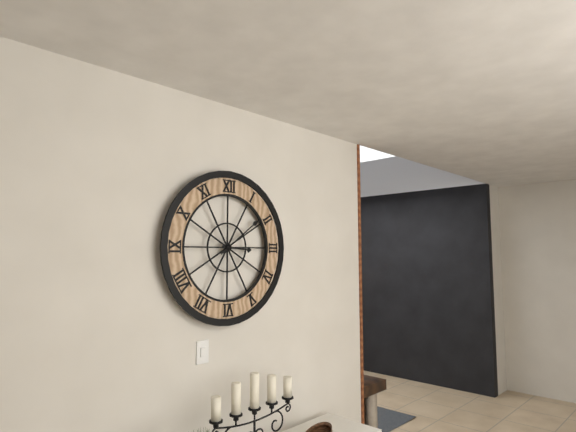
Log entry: {"hour": 3, "minute": 9}
